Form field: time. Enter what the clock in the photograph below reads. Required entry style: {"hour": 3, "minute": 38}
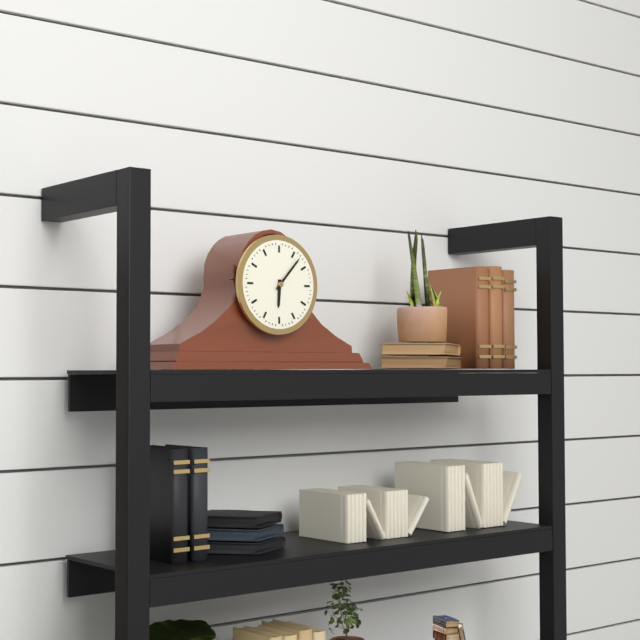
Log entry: {"hour": 6, "minute": 7}
